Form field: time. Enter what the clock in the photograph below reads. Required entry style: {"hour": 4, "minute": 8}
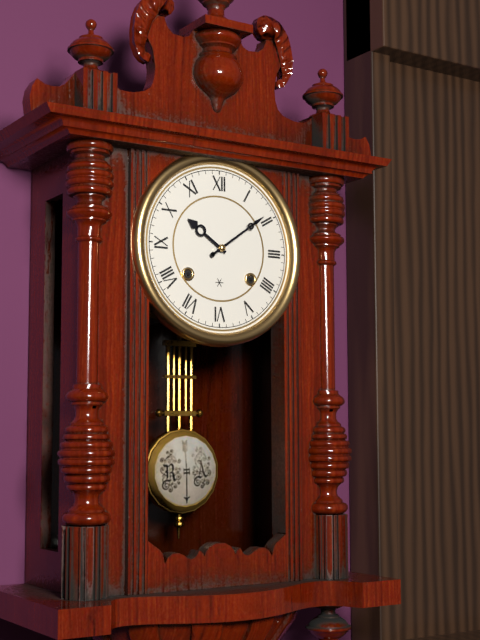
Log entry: {"hour": 10, "minute": 9}
